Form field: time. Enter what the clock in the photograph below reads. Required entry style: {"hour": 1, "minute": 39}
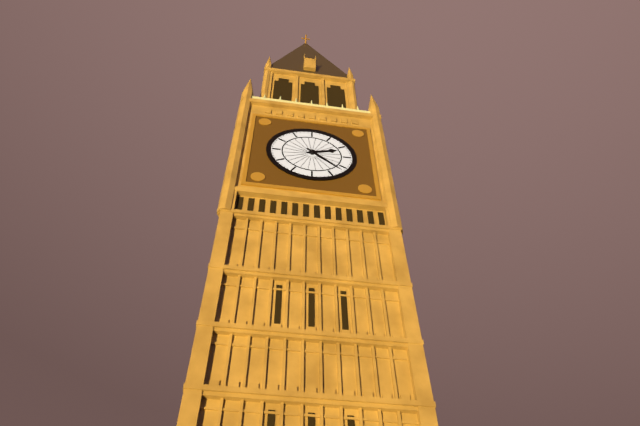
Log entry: {"hour": 2, "minute": 22}
